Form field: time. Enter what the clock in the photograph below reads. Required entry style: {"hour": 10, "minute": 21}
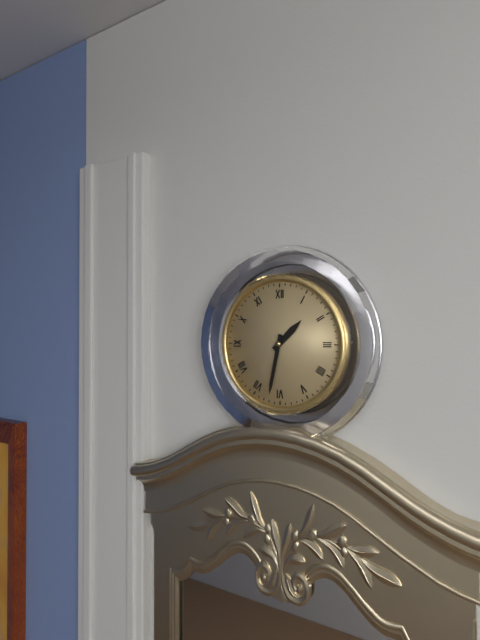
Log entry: {"hour": 1, "minute": 32}
